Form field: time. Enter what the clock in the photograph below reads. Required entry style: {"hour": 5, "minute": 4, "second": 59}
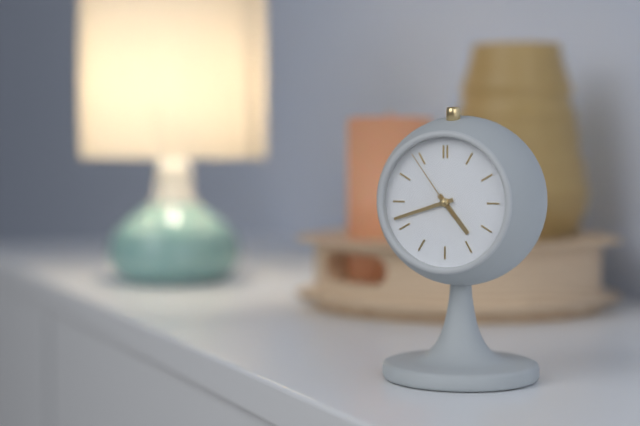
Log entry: {"hour": 4, "minute": 42, "second": 54}
